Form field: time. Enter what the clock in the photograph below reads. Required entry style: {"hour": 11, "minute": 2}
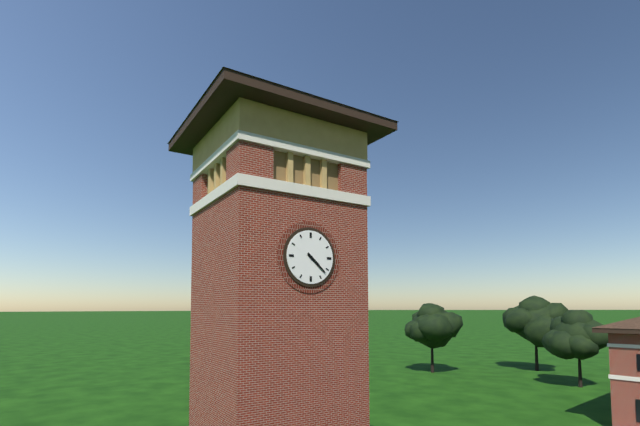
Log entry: {"hour": 4, "minute": 22}
